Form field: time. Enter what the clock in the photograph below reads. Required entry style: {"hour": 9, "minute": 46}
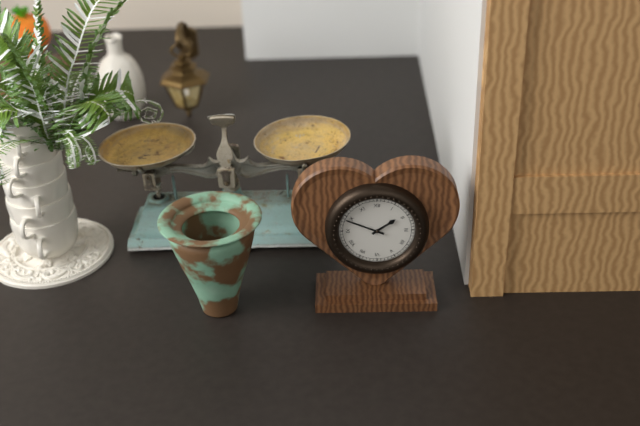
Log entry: {"hour": 1, "minute": 49}
